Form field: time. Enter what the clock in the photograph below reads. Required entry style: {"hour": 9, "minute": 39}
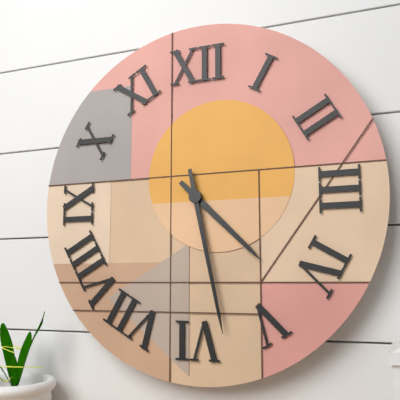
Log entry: {"hour": 4, "minute": 28}
